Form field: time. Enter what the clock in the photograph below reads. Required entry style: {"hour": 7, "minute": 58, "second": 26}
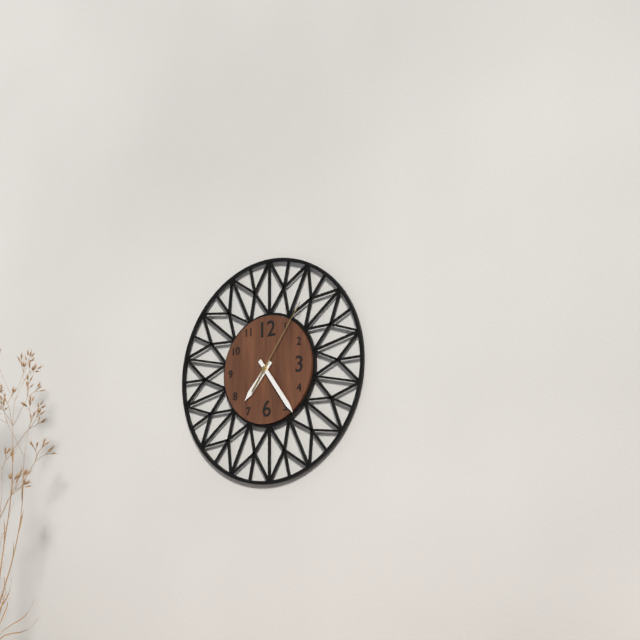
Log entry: {"hour": 7, "minute": 24, "second": 6}
